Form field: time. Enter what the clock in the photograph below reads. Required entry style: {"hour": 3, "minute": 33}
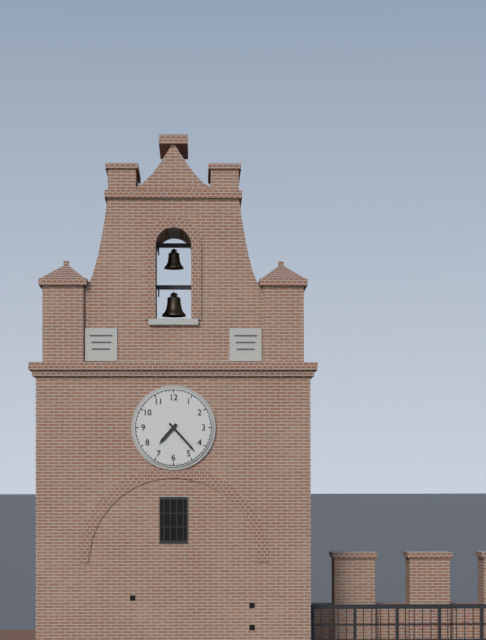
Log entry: {"hour": 7, "minute": 23}
